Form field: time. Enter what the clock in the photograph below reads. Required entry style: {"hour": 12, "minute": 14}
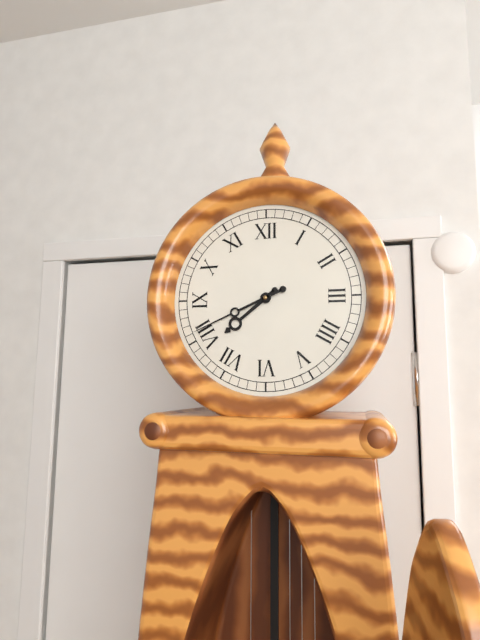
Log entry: {"hour": 7, "minute": 41}
